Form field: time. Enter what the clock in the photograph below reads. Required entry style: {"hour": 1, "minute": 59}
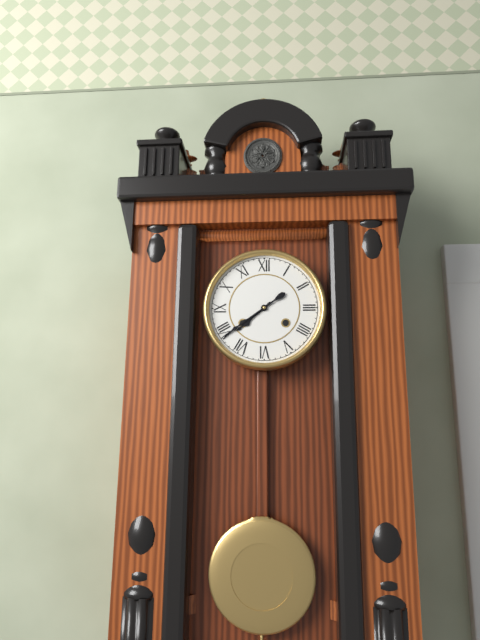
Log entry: {"hour": 7, "minute": 39}
